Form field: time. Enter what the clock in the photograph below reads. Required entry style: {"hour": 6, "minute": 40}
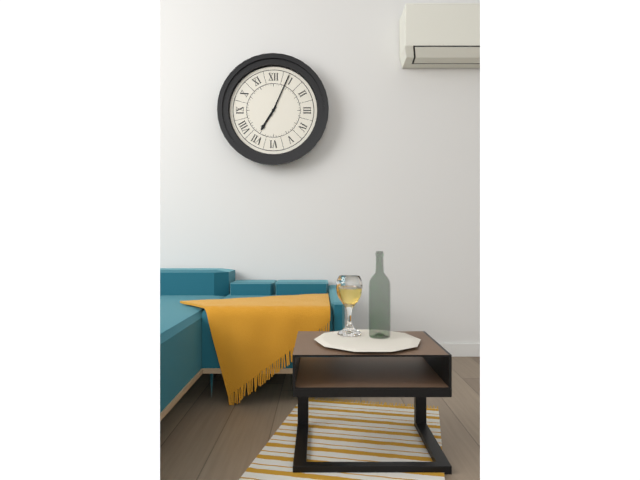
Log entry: {"hour": 7, "minute": 4}
